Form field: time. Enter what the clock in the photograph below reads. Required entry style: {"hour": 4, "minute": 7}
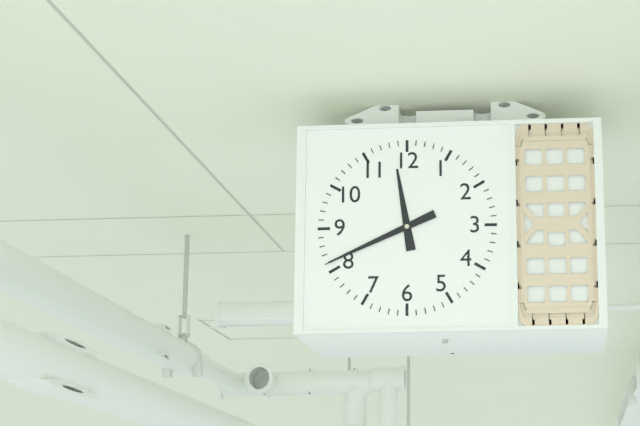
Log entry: {"hour": 11, "minute": 41}
